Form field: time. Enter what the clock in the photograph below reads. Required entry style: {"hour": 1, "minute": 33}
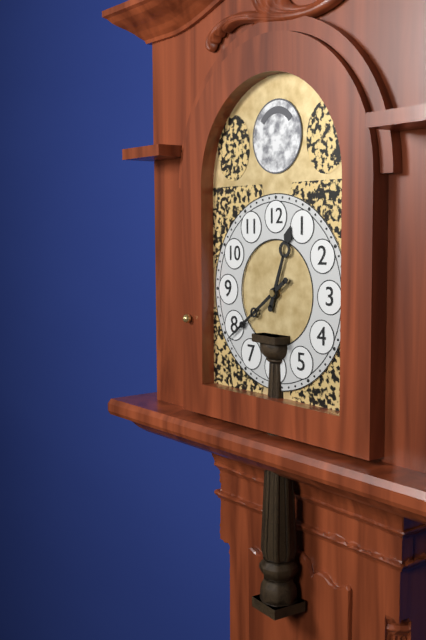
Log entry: {"hour": 12, "minute": 39}
